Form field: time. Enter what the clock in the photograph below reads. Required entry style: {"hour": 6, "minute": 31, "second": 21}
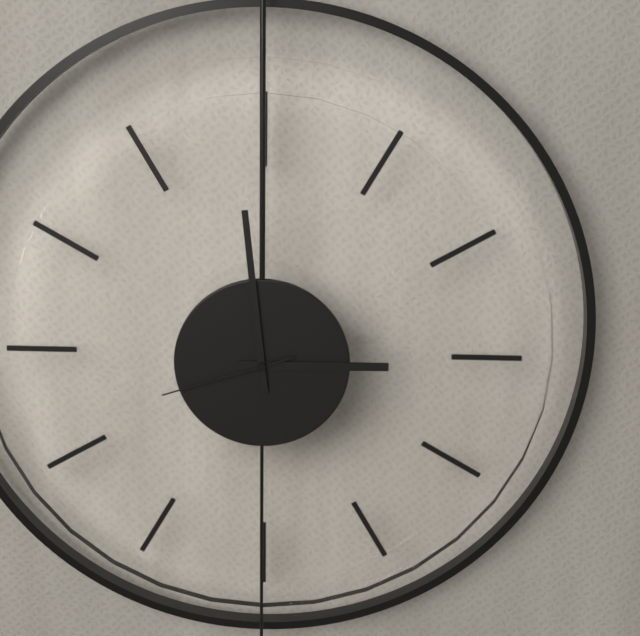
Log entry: {"hour": 2, "minute": 59, "second": 42}
